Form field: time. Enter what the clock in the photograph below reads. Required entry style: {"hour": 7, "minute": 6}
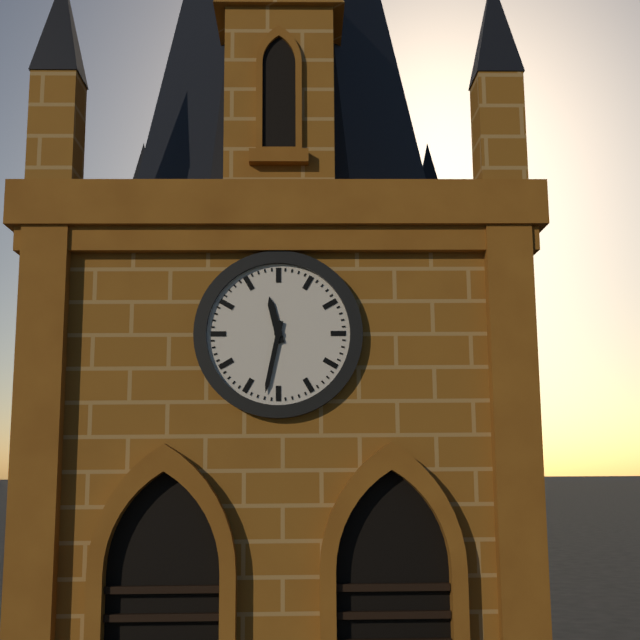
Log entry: {"hour": 11, "minute": 32}
